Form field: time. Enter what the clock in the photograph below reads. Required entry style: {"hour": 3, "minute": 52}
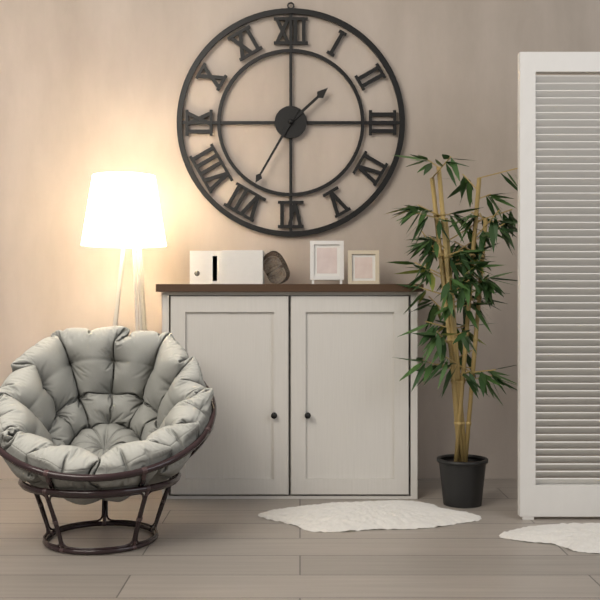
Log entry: {"hour": 1, "minute": 35}
